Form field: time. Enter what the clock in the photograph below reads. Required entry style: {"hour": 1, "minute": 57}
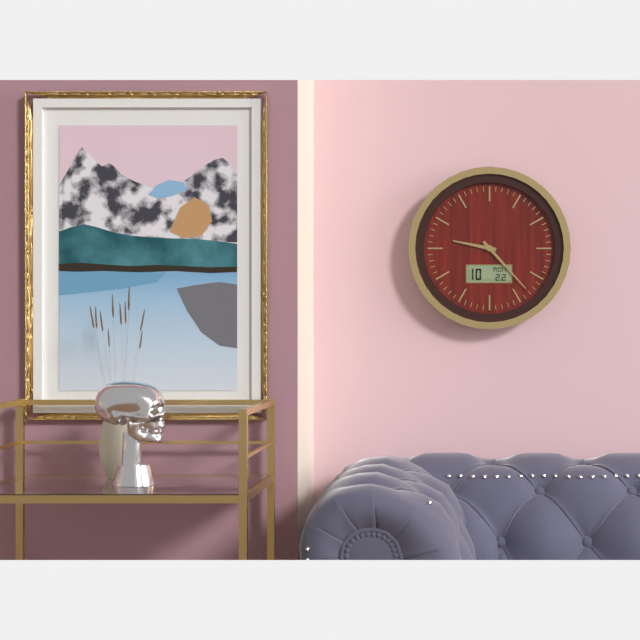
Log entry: {"hour": 9, "minute": 23}
